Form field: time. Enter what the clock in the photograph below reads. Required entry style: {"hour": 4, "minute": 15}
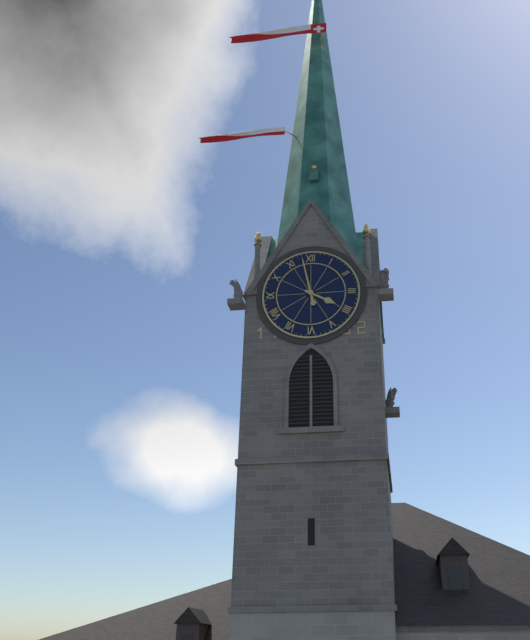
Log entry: {"hour": 3, "minute": 58}
